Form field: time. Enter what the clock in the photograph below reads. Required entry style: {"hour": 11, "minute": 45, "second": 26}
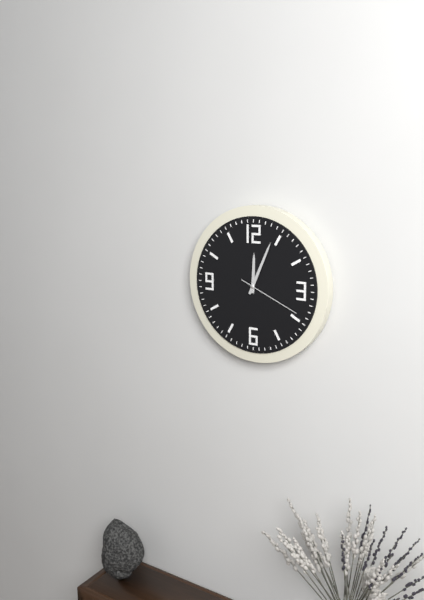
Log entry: {"hour": 12, "minute": 4, "second": 19}
